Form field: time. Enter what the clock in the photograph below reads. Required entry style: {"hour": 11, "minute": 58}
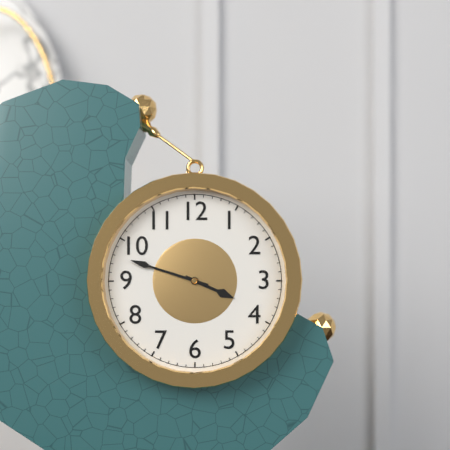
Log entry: {"hour": 3, "minute": 48}
